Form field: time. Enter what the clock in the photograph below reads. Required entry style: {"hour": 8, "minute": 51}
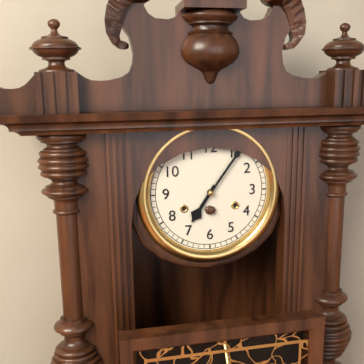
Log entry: {"hour": 7, "minute": 6}
